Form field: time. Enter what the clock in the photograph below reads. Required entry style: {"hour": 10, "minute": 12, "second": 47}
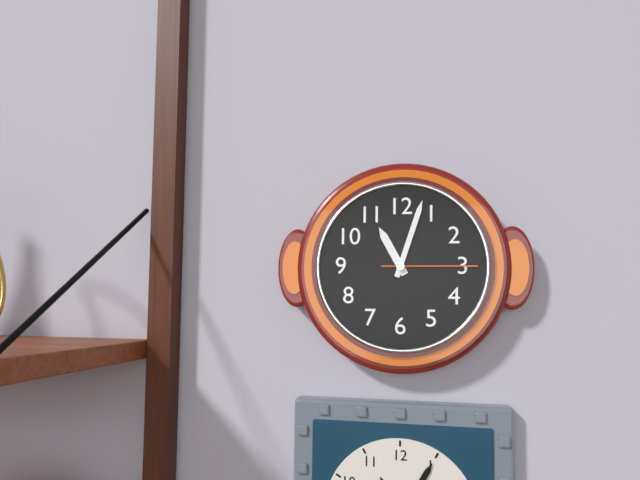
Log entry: {"hour": 11, "minute": 3, "second": 15}
